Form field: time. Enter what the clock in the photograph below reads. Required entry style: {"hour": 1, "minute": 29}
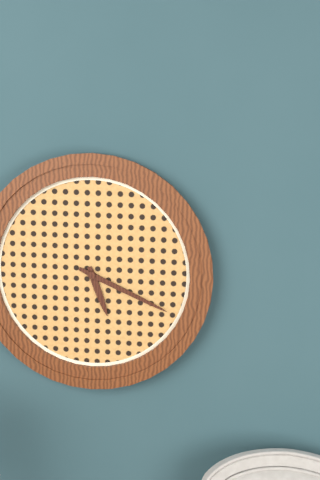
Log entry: {"hour": 5, "minute": 19}
